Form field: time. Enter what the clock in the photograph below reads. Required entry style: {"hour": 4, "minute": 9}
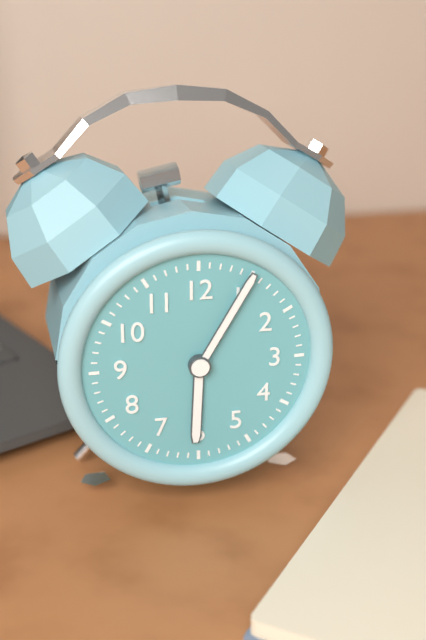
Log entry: {"hour": 6, "minute": 5}
